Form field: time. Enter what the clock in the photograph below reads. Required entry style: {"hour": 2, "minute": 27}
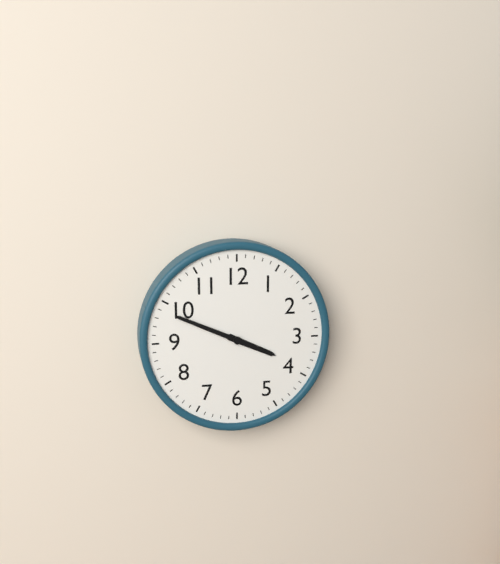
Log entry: {"hour": 3, "minute": 49}
